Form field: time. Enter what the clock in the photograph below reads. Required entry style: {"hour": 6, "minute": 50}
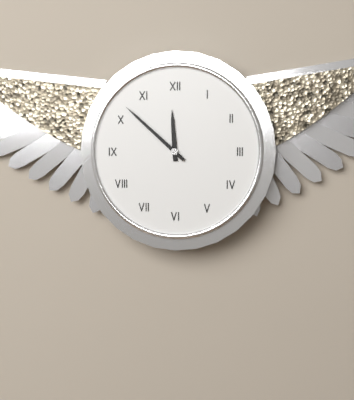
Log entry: {"hour": 11, "minute": 52}
